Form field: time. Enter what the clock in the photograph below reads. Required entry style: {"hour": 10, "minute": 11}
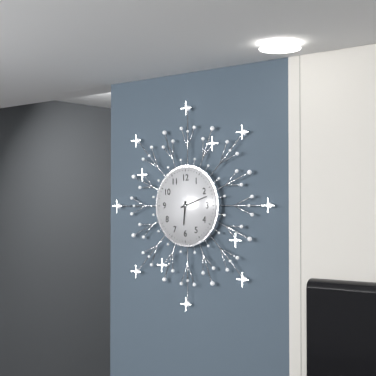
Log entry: {"hour": 6, "minute": 12}
